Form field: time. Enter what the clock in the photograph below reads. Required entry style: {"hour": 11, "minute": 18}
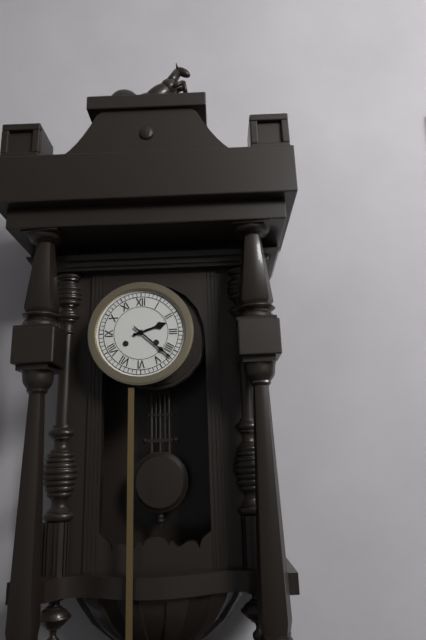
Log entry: {"hour": 2, "minute": 22}
